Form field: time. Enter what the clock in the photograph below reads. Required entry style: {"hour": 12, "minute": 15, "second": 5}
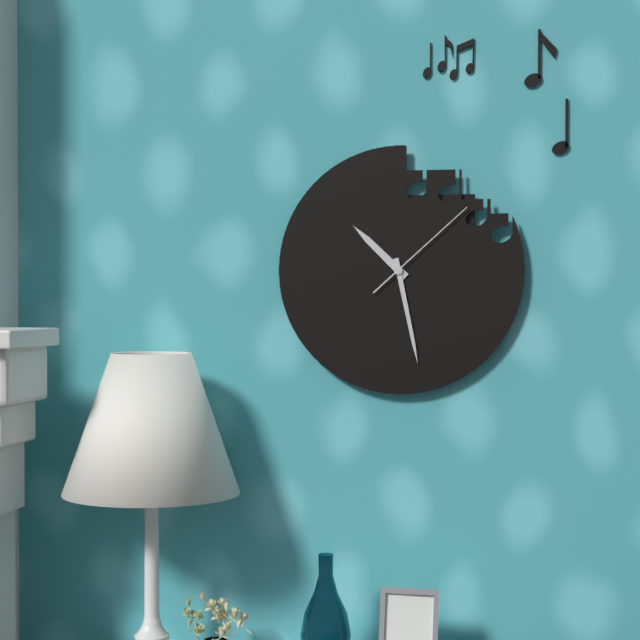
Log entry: {"hour": 10, "minute": 28, "second": 8}
